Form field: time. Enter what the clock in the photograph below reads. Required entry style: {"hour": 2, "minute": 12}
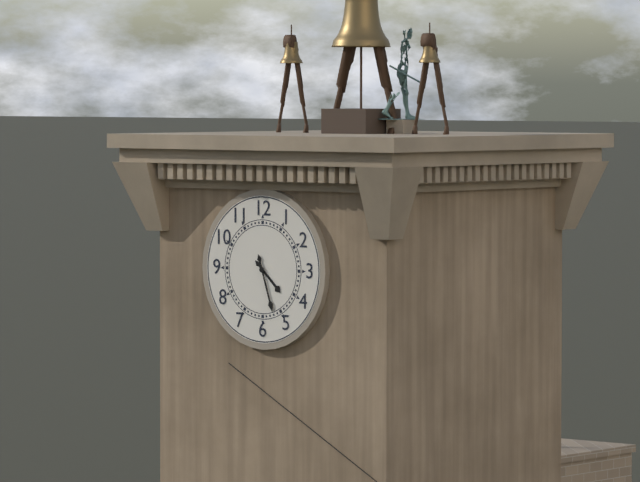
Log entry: {"hour": 4, "minute": 27}
